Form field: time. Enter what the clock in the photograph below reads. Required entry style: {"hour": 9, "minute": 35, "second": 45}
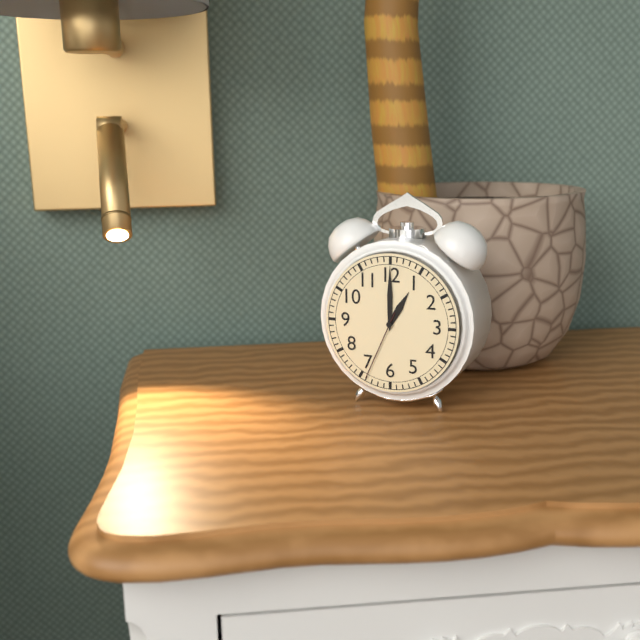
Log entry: {"hour": 1, "minute": 0, "second": 34}
